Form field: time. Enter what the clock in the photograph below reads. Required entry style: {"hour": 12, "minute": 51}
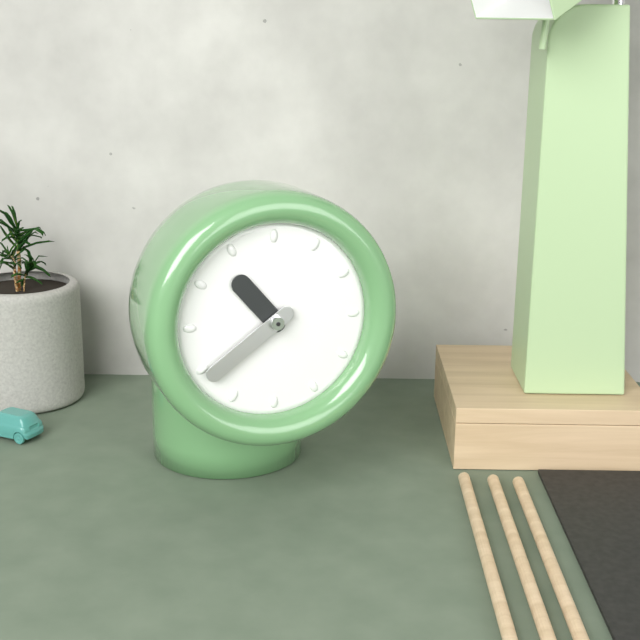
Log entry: {"hour": 10, "minute": 39}
